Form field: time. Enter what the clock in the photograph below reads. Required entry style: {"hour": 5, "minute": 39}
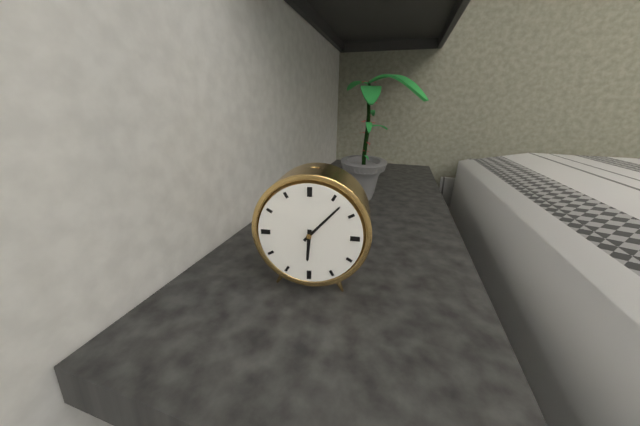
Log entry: {"hour": 6, "minute": 7}
